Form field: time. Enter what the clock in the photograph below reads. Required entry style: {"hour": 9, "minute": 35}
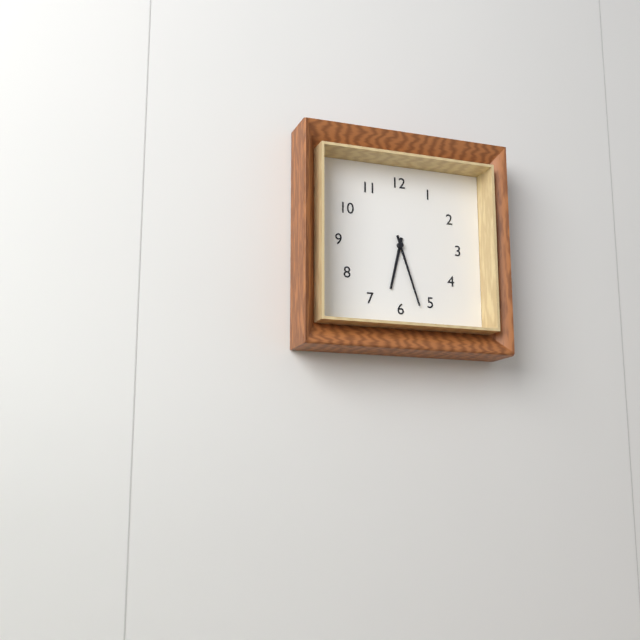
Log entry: {"hour": 6, "minute": 27}
